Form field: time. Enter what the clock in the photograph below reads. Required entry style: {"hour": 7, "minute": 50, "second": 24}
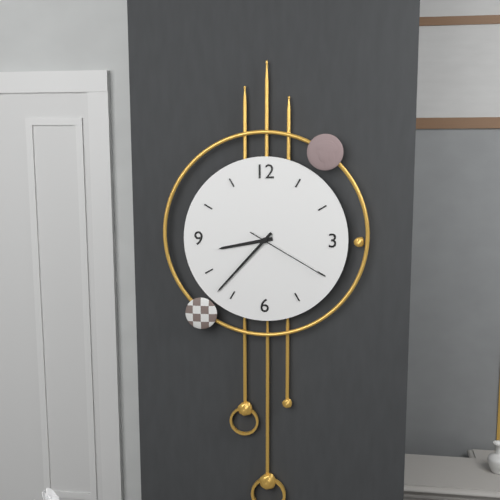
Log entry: {"hour": 8, "minute": 37, "second": 20}
